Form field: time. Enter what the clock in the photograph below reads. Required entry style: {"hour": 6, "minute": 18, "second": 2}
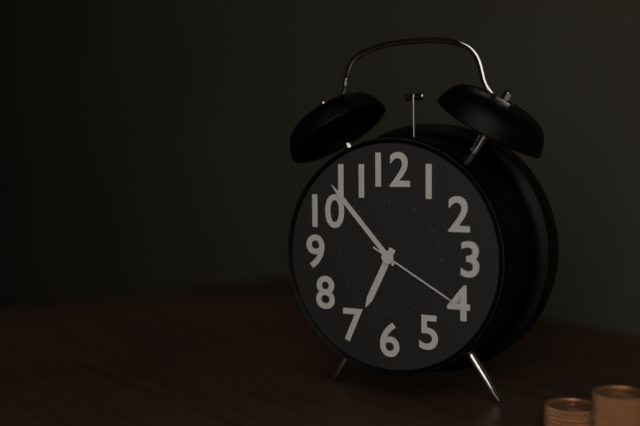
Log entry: {"hour": 6, "minute": 53, "second": 20}
